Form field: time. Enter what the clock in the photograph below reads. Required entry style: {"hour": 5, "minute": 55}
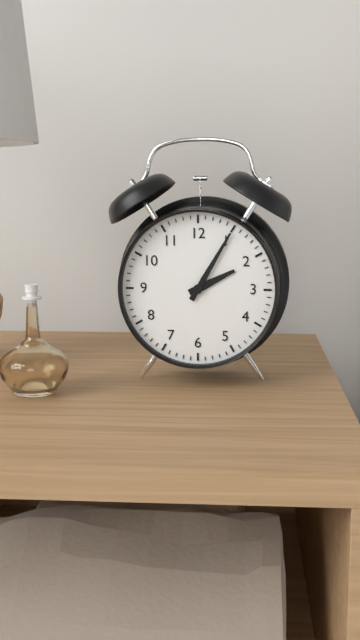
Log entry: {"hour": 2, "minute": 5}
